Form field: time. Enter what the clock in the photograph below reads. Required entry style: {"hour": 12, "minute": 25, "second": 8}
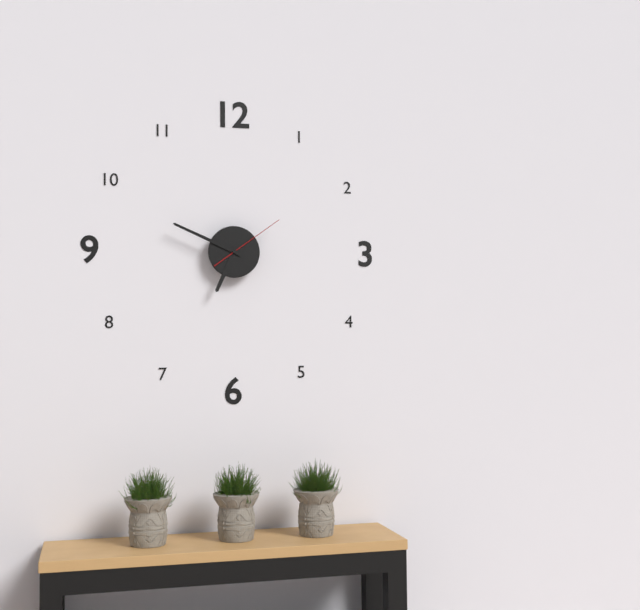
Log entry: {"hour": 6, "minute": 49, "second": 9}
